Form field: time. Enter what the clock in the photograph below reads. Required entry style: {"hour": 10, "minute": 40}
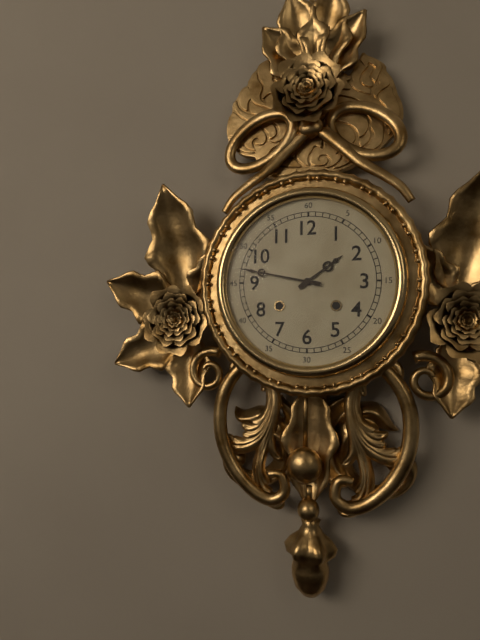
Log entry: {"hour": 1, "minute": 47}
